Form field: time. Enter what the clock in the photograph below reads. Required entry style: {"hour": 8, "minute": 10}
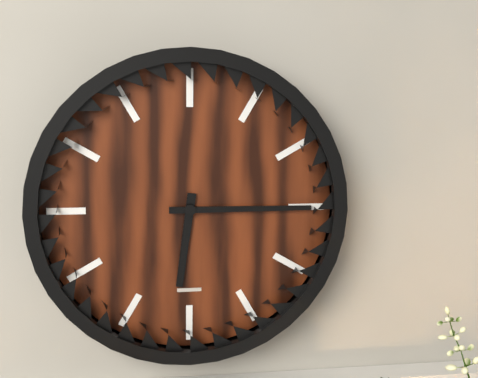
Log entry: {"hour": 6, "minute": 15}
